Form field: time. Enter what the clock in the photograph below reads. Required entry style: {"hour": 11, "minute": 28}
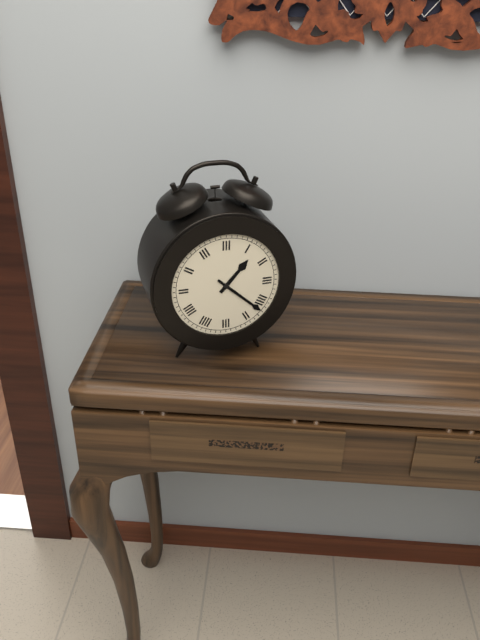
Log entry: {"hour": 1, "minute": 22}
